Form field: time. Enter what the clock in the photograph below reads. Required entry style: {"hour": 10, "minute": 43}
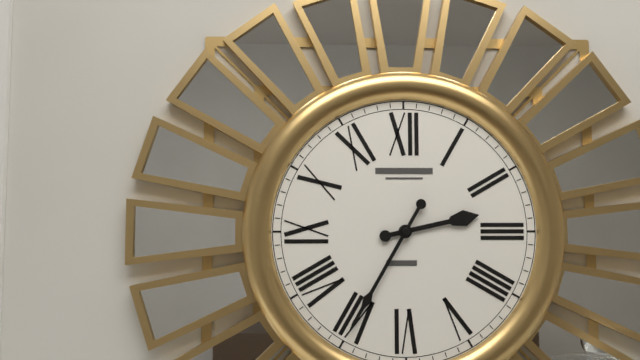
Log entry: {"hour": 2, "minute": 35}
